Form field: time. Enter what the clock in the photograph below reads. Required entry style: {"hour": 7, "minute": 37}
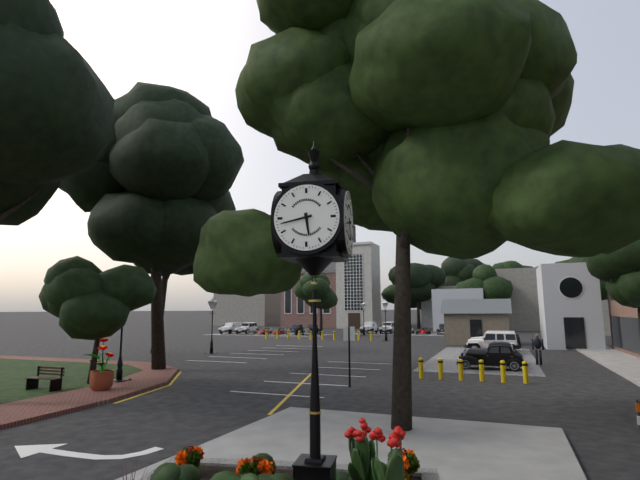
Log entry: {"hour": 5, "minute": 43}
